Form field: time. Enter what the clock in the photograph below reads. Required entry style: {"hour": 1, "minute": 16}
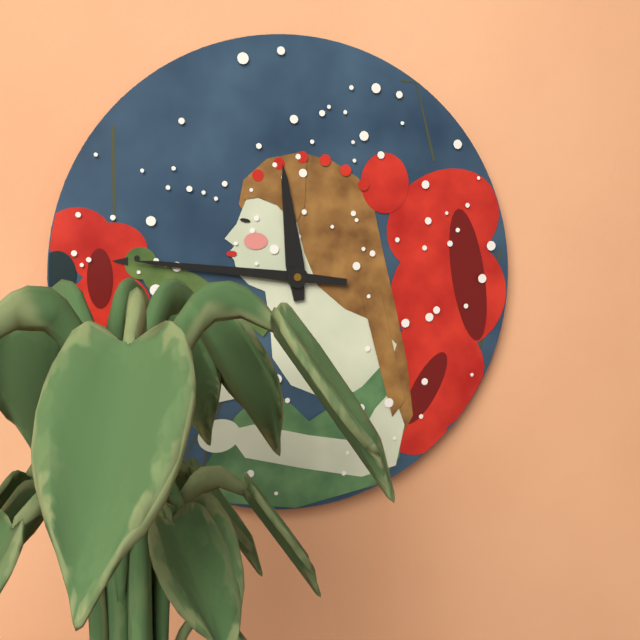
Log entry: {"hour": 11, "minute": 46}
